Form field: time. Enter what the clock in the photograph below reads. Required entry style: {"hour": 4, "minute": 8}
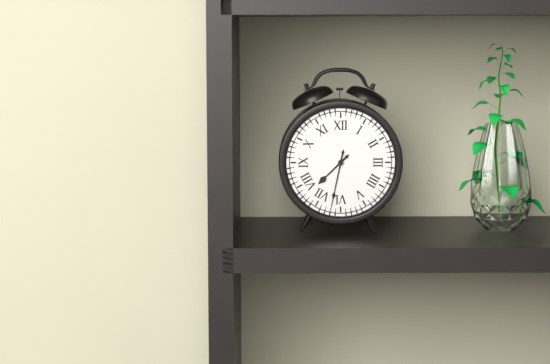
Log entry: {"hour": 7, "minute": 32}
